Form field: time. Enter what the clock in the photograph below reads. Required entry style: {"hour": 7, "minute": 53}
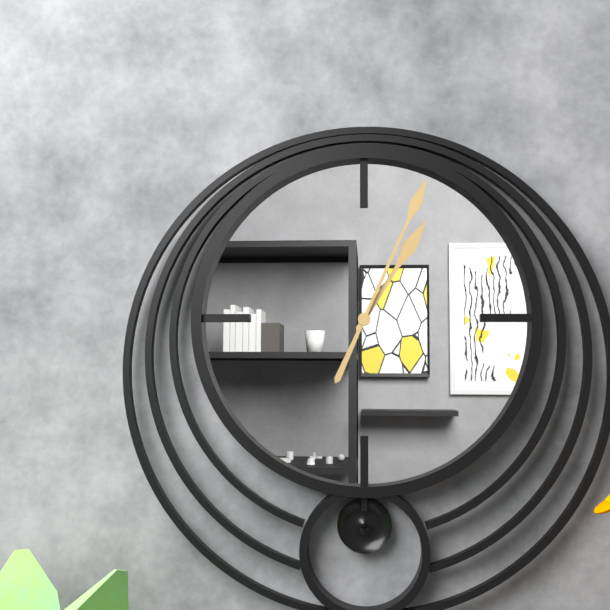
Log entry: {"hour": 1, "minute": 4}
